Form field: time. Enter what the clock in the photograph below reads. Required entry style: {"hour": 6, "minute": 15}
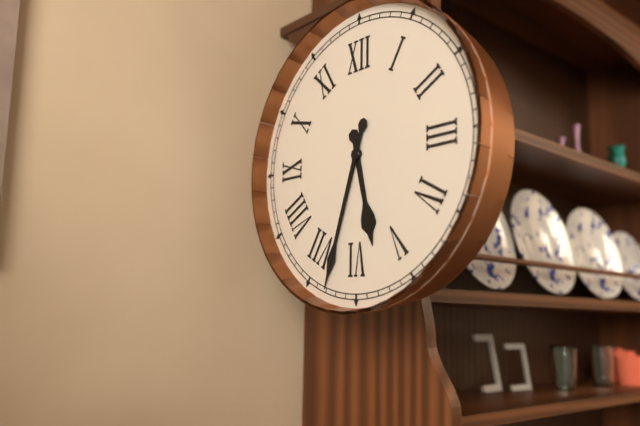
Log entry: {"hour": 5, "minute": 33}
